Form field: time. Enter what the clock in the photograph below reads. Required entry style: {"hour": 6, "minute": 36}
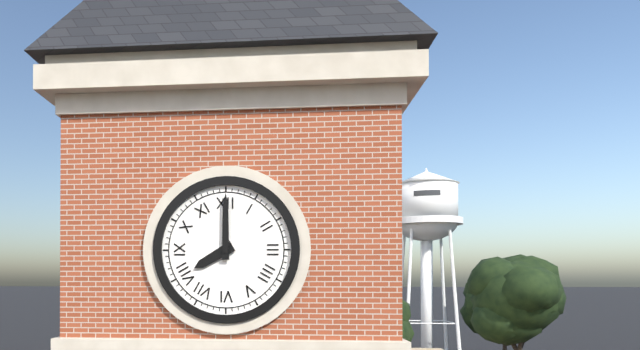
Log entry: {"hour": 8, "minute": 0}
